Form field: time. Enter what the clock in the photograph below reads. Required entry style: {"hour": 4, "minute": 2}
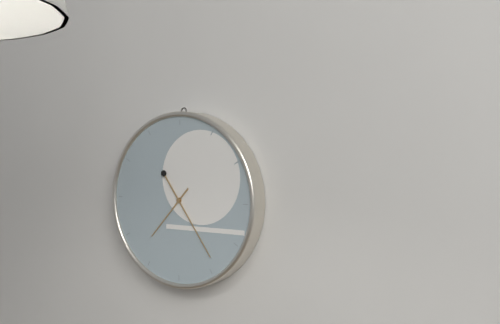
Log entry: {"hour": 7, "minute": 24}
